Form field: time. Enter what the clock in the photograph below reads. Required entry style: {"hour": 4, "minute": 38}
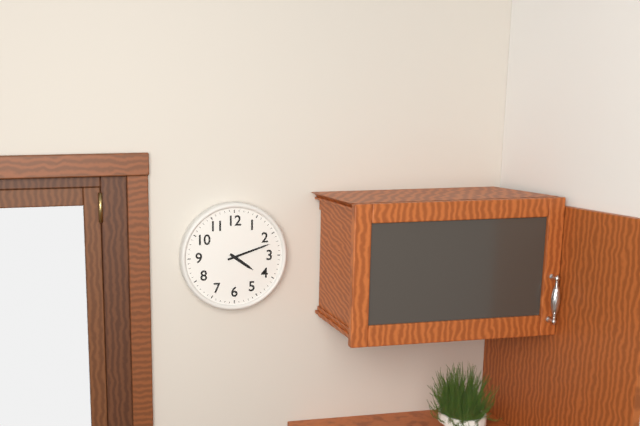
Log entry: {"hour": 4, "minute": 12}
